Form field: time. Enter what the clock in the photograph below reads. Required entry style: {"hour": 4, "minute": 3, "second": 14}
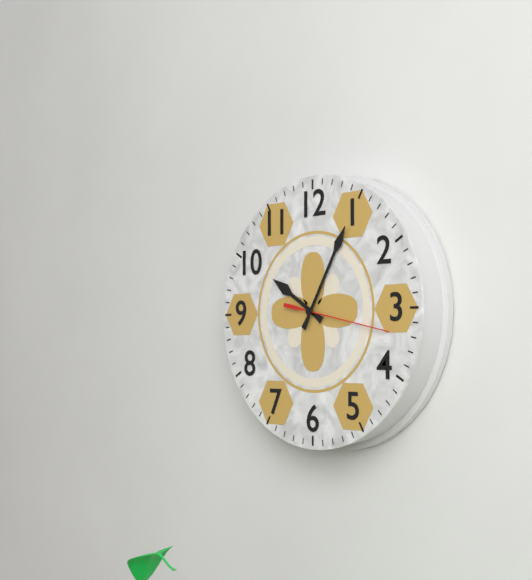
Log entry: {"hour": 10, "minute": 5, "second": 17}
